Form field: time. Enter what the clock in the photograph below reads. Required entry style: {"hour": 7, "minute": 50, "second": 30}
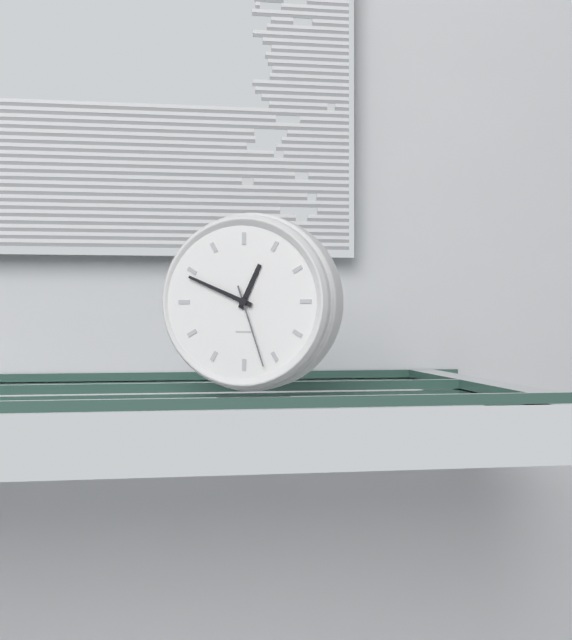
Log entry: {"hour": 12, "minute": 49, "second": 27}
